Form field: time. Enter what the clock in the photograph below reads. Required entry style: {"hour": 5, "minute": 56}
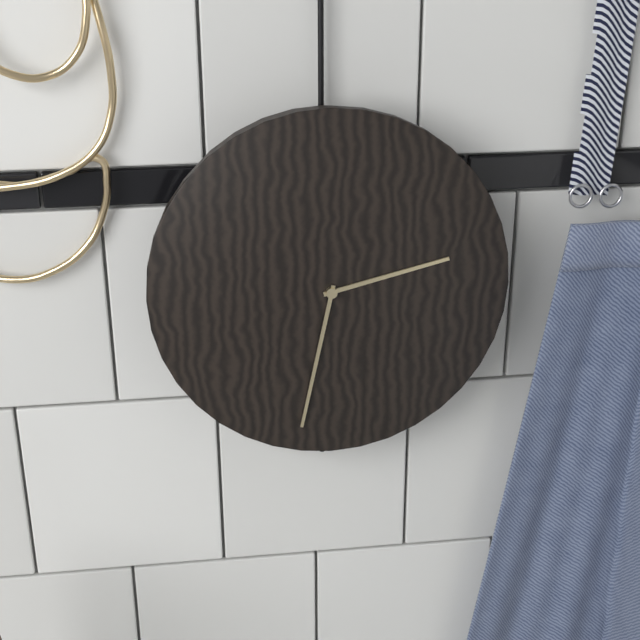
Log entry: {"hour": 2, "minute": 32}
